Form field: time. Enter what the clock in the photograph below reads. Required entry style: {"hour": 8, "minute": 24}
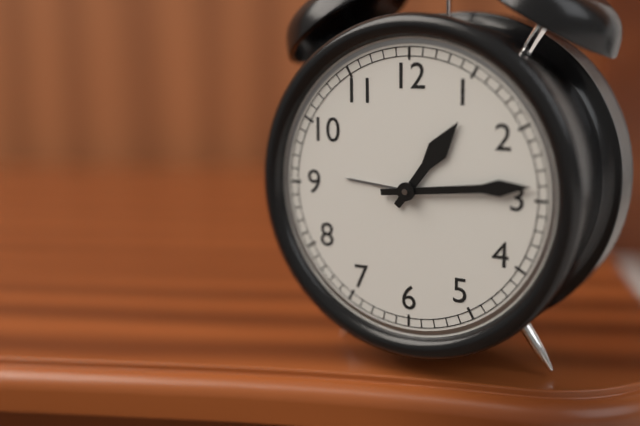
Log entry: {"hour": 1, "minute": 14}
